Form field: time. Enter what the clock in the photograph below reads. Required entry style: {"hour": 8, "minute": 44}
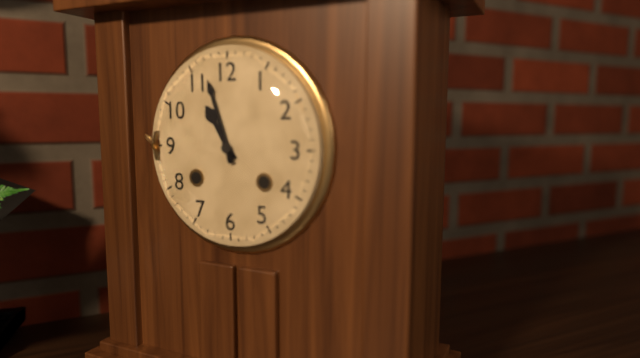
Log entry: {"hour": 10, "minute": 57}
